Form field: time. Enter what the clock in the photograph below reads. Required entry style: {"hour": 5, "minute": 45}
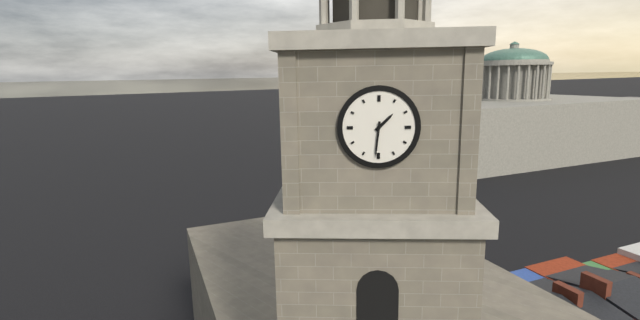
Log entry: {"hour": 1, "minute": 31}
